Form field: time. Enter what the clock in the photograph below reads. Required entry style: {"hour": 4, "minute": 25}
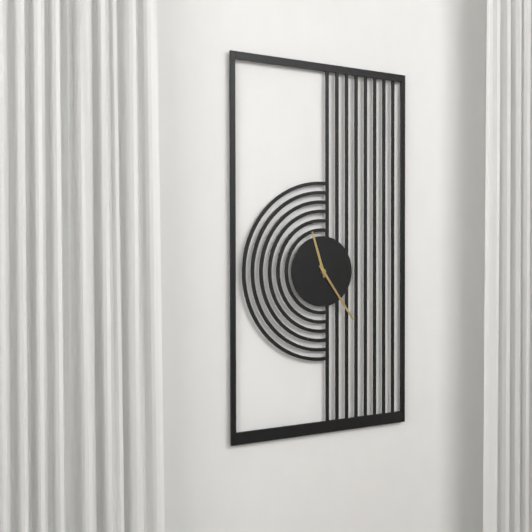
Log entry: {"hour": 11, "minute": 24}
